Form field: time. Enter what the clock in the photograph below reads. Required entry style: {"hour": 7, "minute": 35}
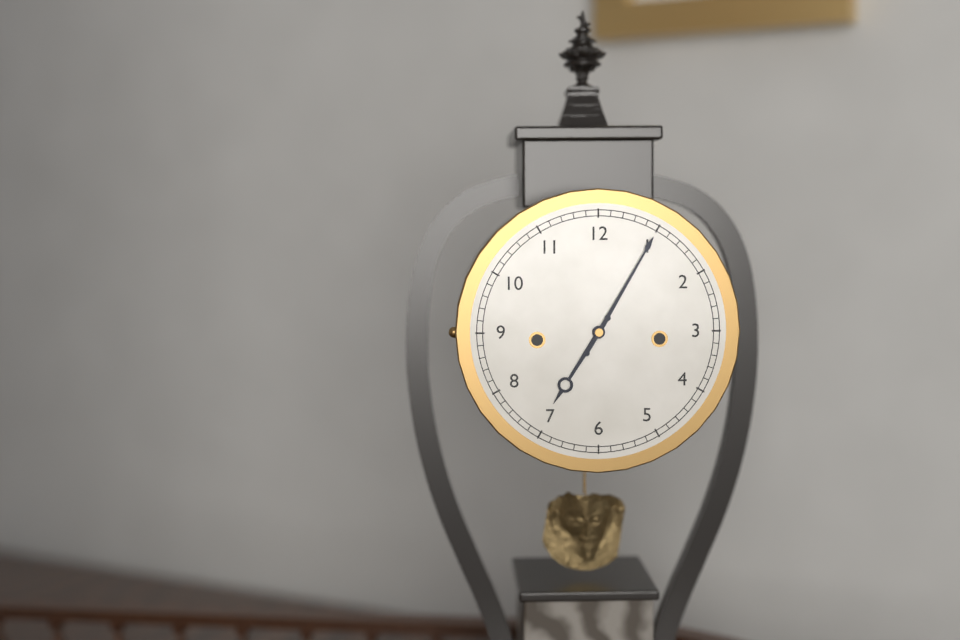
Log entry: {"hour": 7, "minute": 5}
